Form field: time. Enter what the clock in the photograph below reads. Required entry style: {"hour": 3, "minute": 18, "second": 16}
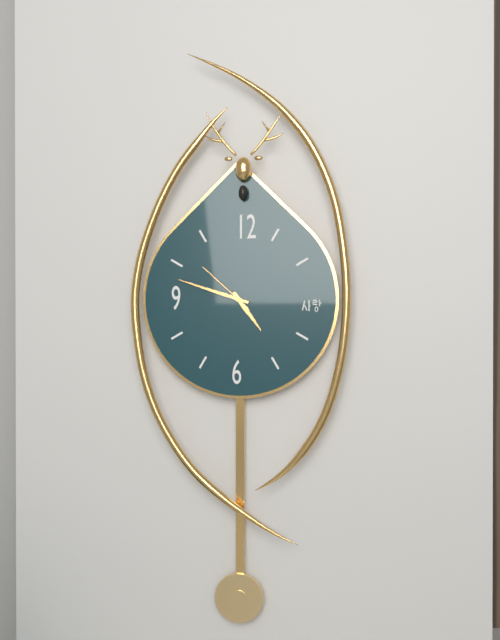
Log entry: {"hour": 4, "minute": 48, "second": 52}
